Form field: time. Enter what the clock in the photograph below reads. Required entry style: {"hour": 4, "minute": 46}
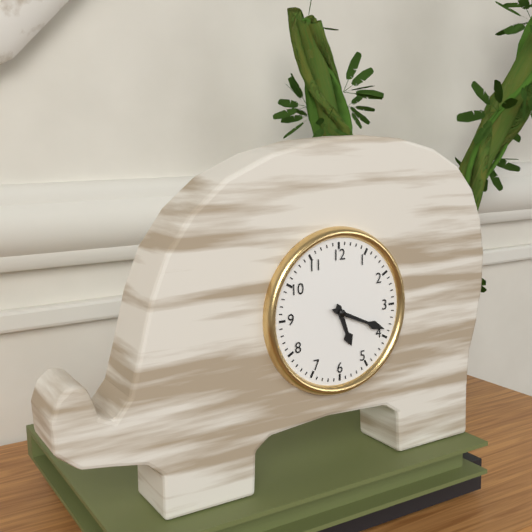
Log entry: {"hour": 5, "minute": 19}
